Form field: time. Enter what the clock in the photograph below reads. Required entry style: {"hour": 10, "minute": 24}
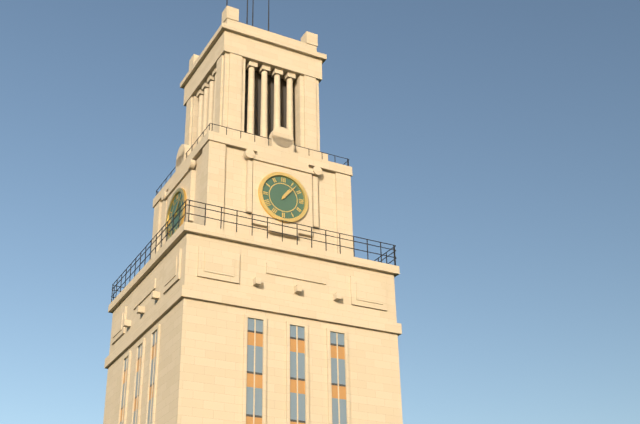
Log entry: {"hour": 1, "minute": 7}
